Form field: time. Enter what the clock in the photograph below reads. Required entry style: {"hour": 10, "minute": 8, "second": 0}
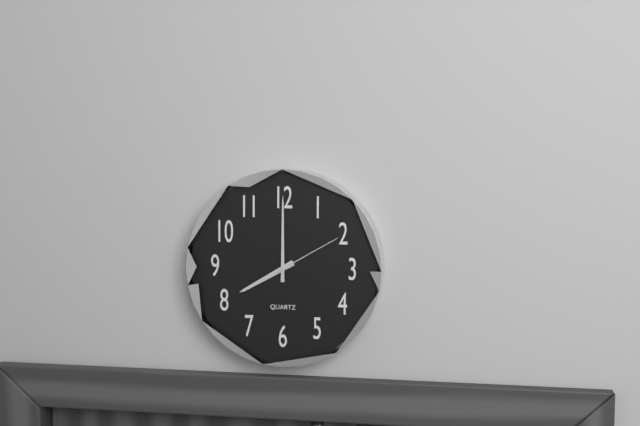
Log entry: {"hour": 8, "minute": 0, "second": 10}
